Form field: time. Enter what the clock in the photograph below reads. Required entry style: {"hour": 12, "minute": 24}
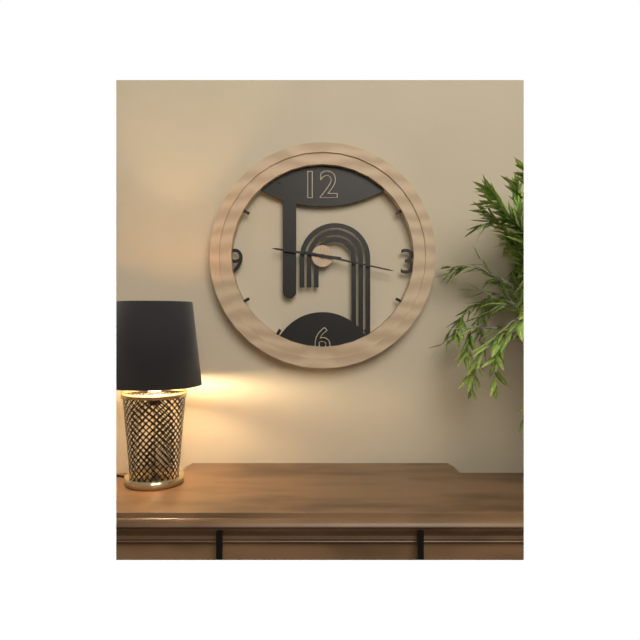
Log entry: {"hour": 9, "minute": 17}
